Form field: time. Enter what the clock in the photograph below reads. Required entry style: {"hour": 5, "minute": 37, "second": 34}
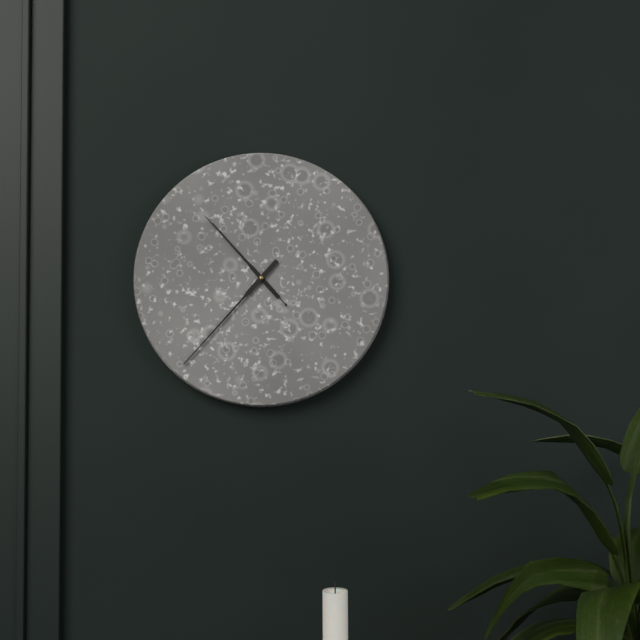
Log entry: {"hour": 10, "minute": 37, "second": 53}
